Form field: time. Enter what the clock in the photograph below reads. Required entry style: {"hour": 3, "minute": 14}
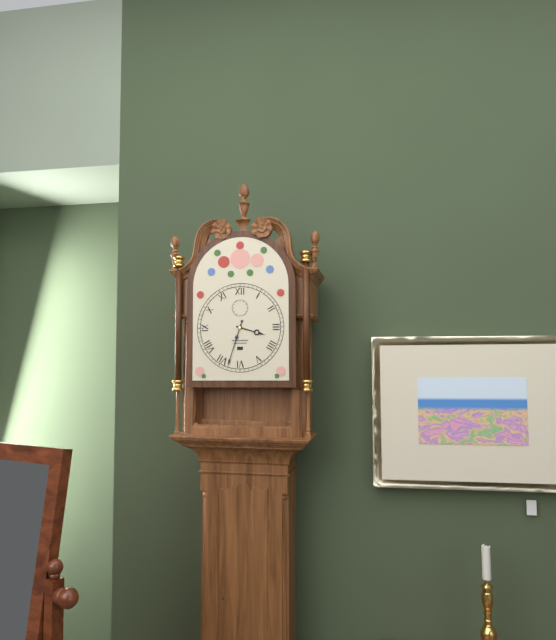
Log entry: {"hour": 3, "minute": 33}
